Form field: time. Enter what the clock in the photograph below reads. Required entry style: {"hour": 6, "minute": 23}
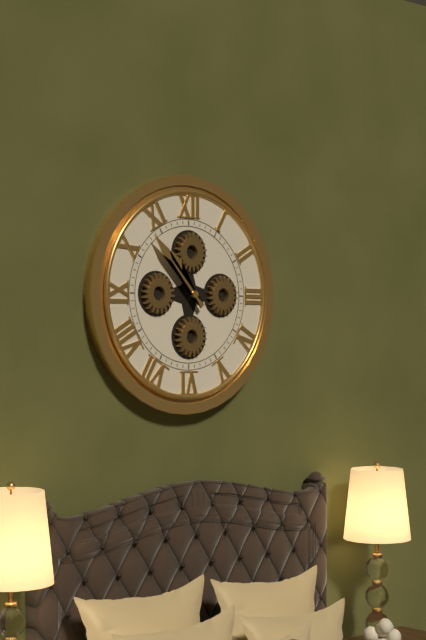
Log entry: {"hour": 10, "minute": 53}
